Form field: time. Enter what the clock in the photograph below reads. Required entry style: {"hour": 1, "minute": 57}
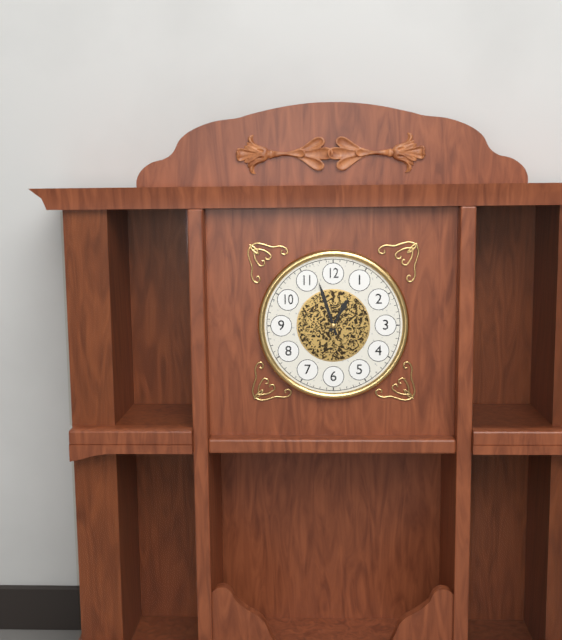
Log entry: {"hour": 12, "minute": 57}
